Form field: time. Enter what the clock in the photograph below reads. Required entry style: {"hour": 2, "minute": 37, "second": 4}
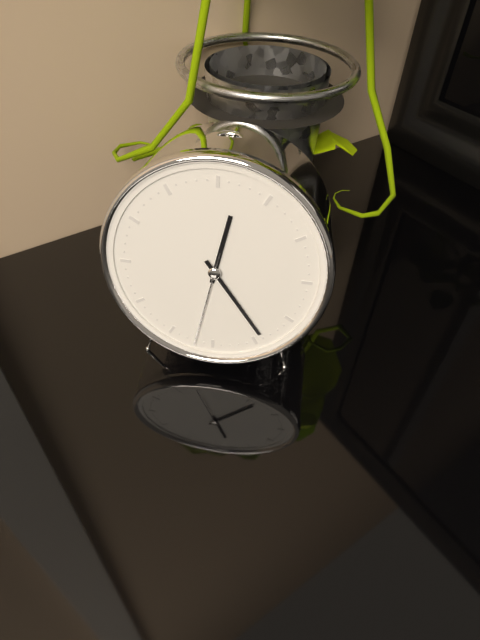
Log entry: {"hour": 12, "minute": 24, "second": 32}
